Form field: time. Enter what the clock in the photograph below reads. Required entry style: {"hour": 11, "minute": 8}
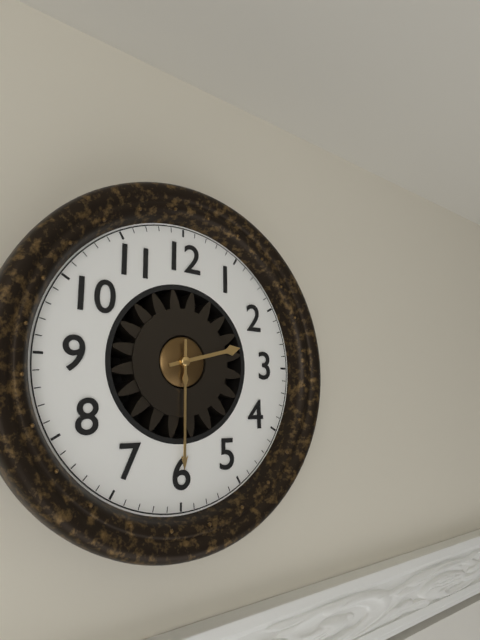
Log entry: {"hour": 2, "minute": 30}
